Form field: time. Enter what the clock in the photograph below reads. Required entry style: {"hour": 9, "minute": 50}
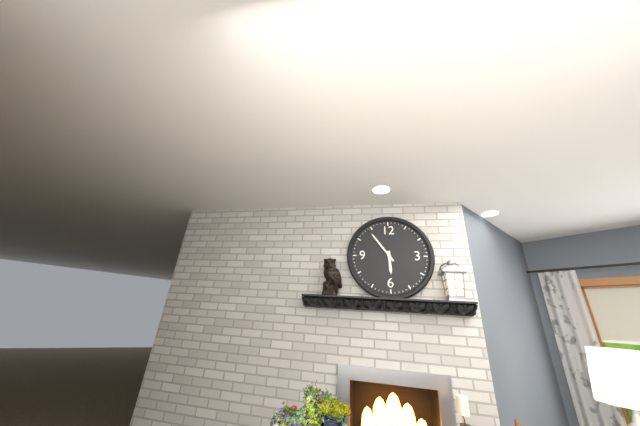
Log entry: {"hour": 5, "minute": 54}
